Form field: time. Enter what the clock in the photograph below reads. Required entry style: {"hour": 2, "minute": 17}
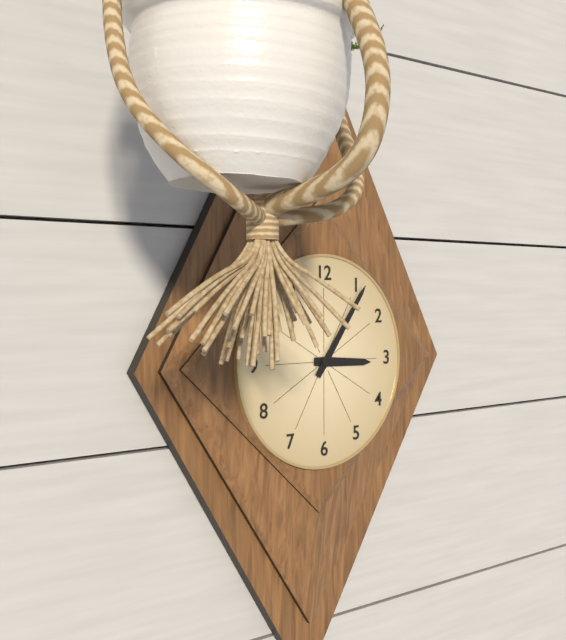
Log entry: {"hour": 3, "minute": 6}
